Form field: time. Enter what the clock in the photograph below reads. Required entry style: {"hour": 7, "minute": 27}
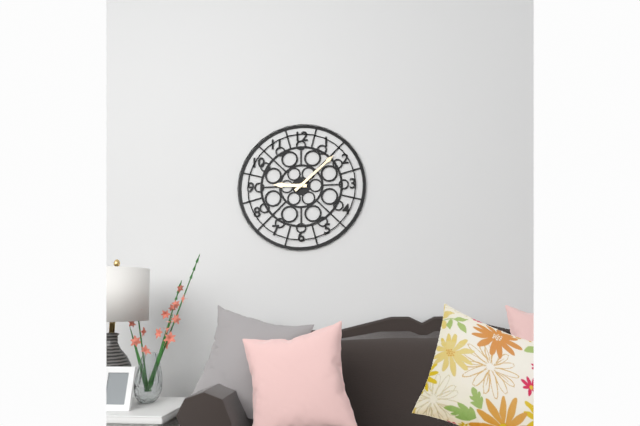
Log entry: {"hour": 9, "minute": 8}
